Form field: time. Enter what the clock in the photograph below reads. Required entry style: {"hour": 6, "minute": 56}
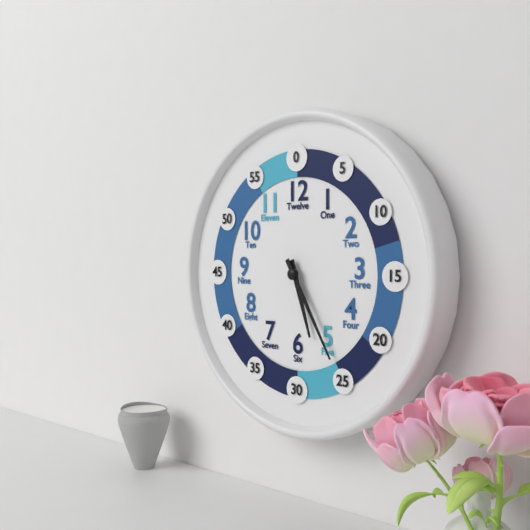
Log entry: {"hour": 5, "minute": 25}
